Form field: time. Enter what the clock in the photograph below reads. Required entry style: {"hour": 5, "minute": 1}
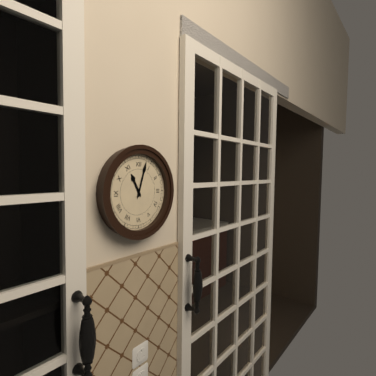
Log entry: {"hour": 11, "minute": 3}
